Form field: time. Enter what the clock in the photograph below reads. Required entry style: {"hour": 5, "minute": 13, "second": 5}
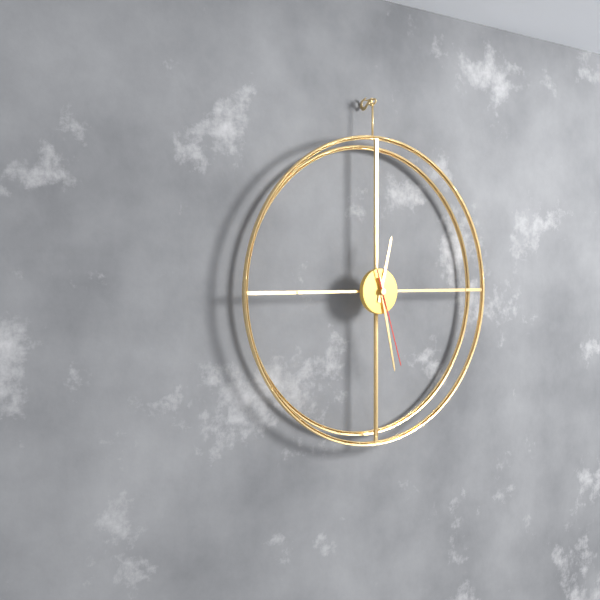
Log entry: {"hour": 12, "minute": 28, "second": 27}
